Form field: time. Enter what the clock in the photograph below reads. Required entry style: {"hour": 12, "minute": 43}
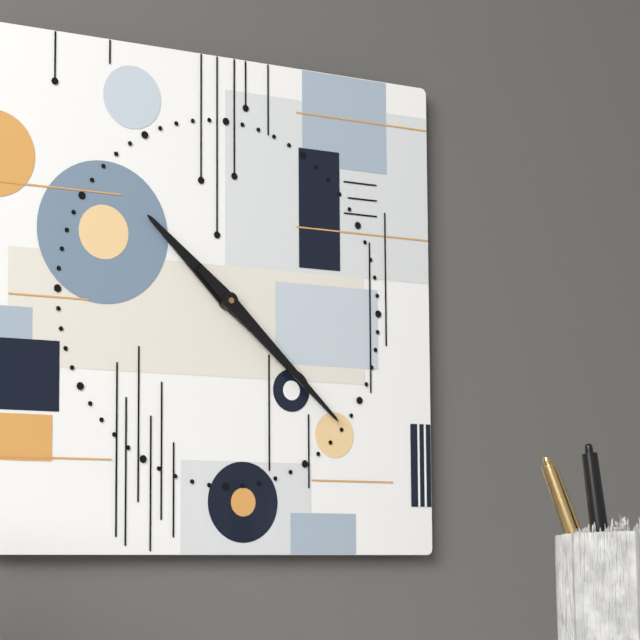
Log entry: {"hour": 10, "minute": 22}
